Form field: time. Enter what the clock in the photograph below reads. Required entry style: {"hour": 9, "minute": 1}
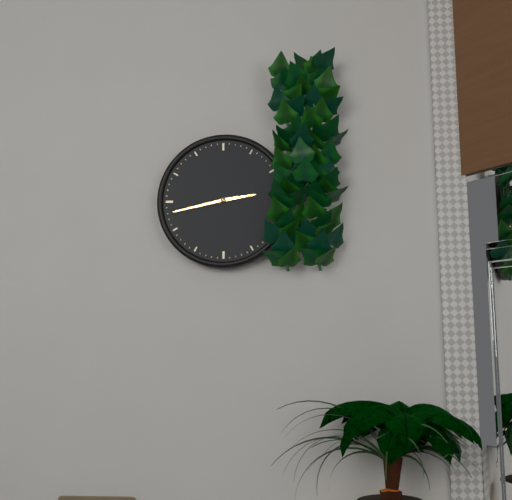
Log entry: {"hour": 2, "minute": 43}
